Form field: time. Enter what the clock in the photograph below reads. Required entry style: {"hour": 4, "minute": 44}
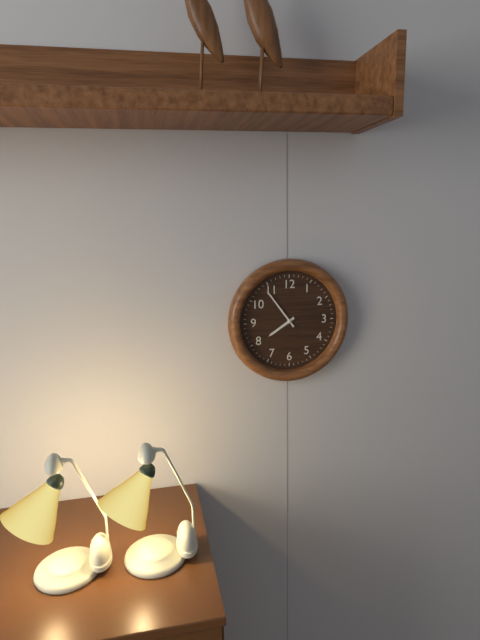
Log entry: {"hour": 7, "minute": 54}
